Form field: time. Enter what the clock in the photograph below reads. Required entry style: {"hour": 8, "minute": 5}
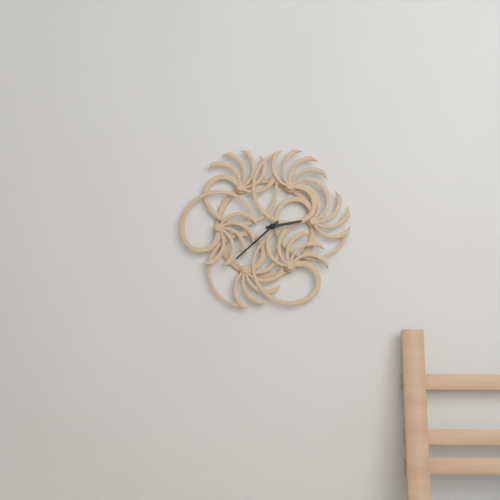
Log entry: {"hour": 2, "minute": 38}
